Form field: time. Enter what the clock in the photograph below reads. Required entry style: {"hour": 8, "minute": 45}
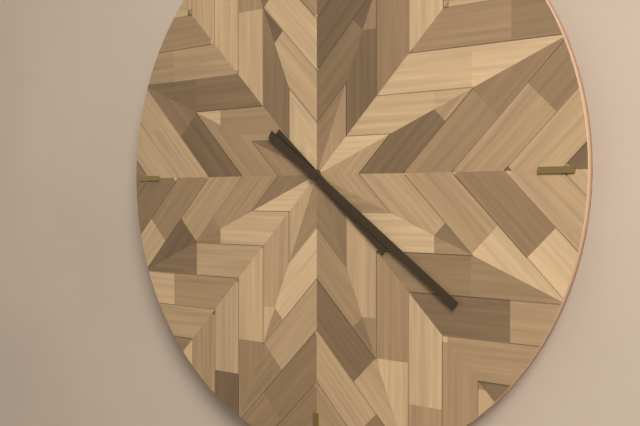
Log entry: {"hour": 4, "minute": 21}
